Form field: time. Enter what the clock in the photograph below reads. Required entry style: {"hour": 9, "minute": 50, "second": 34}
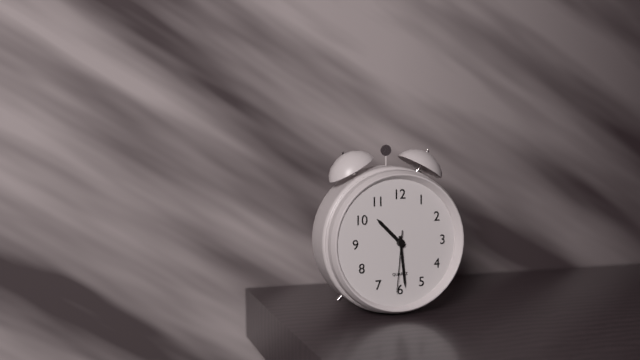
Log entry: {"hour": 10, "minute": 29, "second": 31}
